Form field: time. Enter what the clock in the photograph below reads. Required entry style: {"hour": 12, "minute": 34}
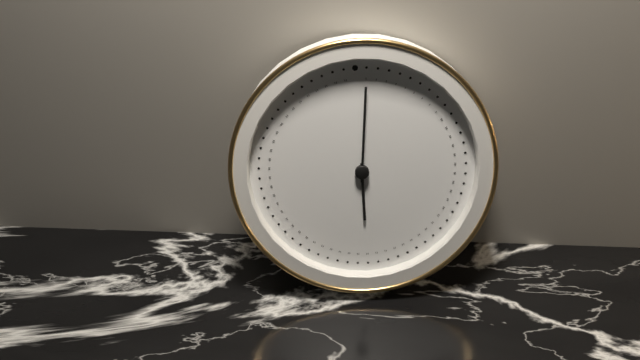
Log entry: {"hour": 6, "minute": 1}
